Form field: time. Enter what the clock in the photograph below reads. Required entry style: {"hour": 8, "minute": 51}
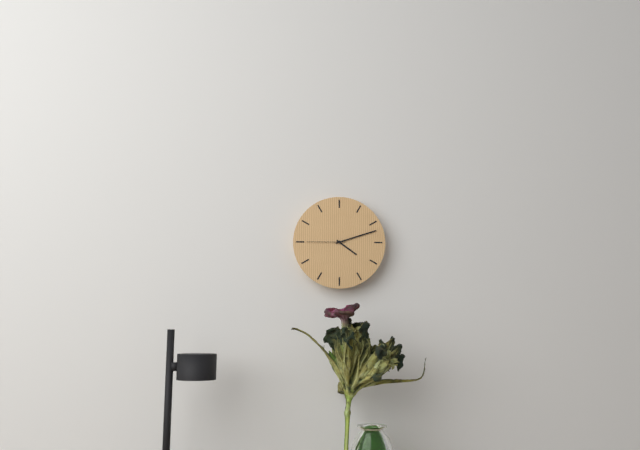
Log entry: {"hour": 4, "minute": 12}
